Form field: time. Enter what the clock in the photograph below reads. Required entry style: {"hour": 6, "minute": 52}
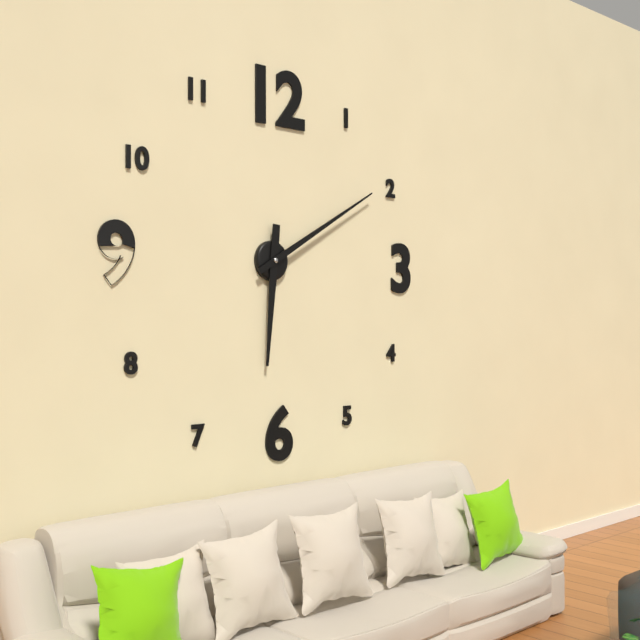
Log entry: {"hour": 6, "minute": 10}
